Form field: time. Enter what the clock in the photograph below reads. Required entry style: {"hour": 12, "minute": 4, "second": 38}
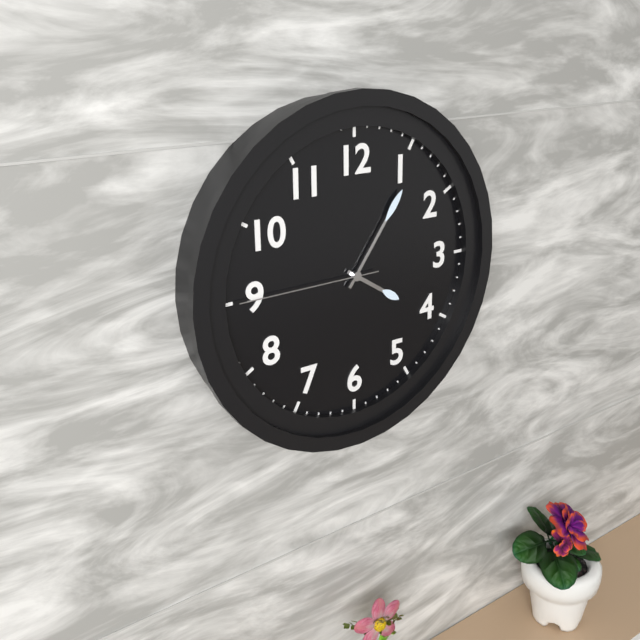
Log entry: {"hour": 4, "minute": 6, "second": 45}
